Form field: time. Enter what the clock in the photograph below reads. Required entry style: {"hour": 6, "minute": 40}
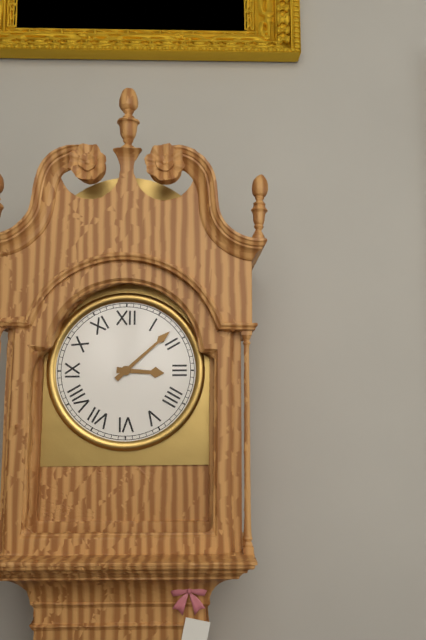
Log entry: {"hour": 3, "minute": 8}
